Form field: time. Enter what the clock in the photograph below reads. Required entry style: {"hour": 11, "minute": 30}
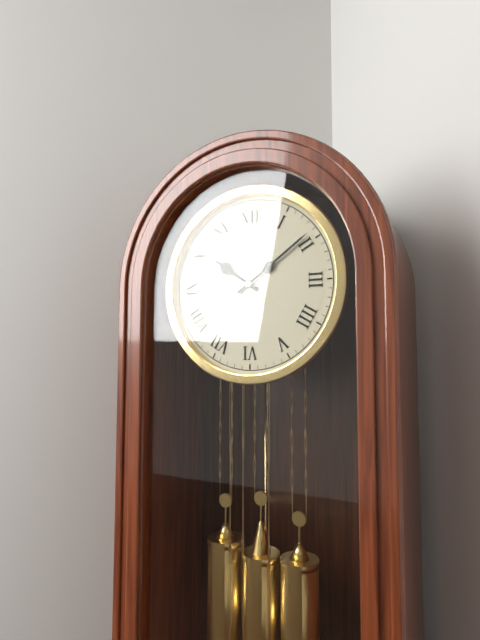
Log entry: {"hour": 10, "minute": 9}
